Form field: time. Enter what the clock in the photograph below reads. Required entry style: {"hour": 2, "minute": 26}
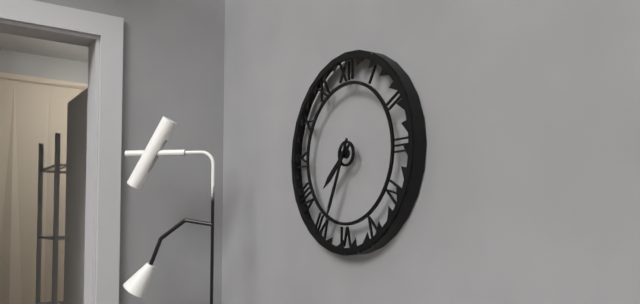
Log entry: {"hour": 7, "minute": 34}
